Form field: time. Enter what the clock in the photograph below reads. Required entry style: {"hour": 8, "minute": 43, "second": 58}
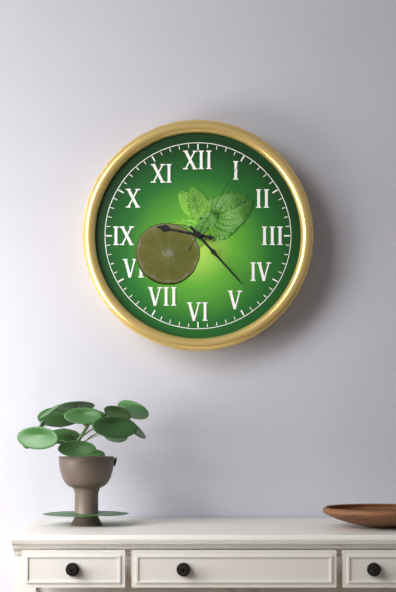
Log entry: {"hour": 9, "minute": 23, "second": 5}
